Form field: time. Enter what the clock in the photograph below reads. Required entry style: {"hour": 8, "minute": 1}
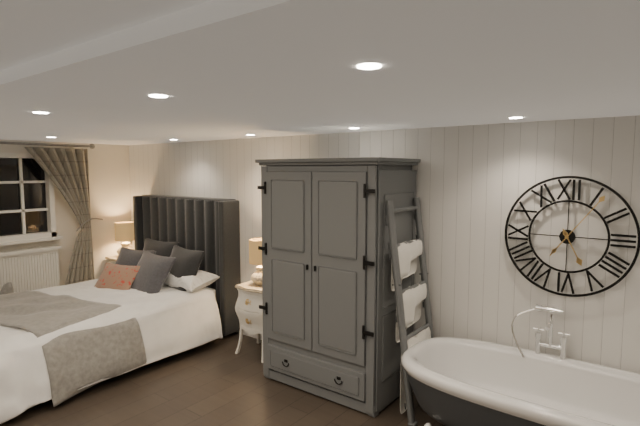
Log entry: {"hour": 5, "minute": 6}
